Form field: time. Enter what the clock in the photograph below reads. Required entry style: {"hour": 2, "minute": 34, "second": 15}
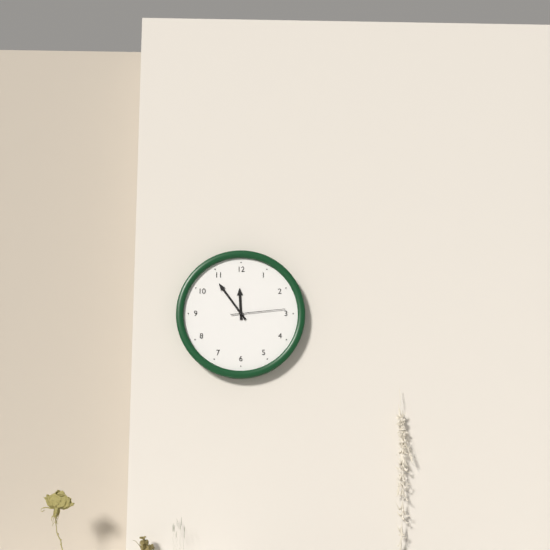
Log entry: {"hour": 11, "minute": 54, "second": 14}
